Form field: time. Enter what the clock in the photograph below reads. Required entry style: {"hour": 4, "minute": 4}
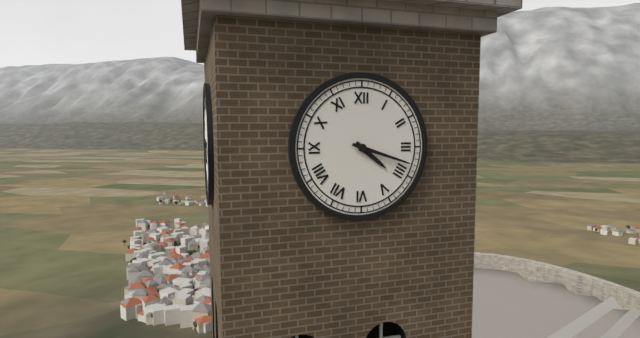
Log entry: {"hour": 4, "minute": 18}
